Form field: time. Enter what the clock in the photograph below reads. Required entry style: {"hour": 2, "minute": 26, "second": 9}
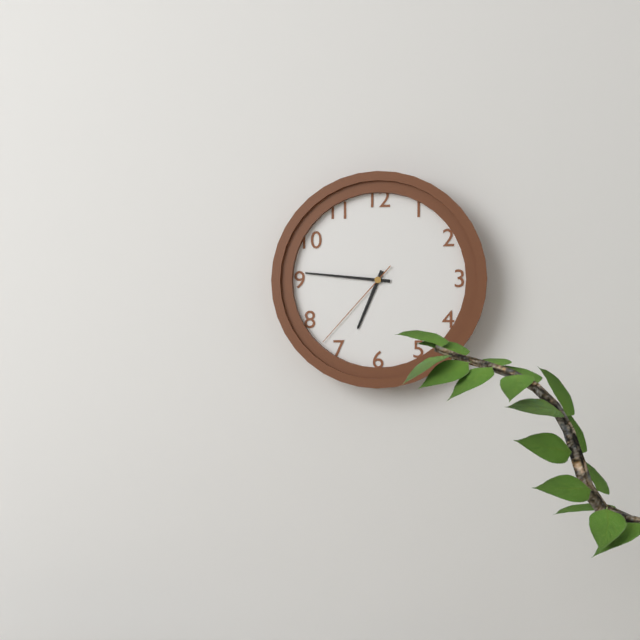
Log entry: {"hour": 6, "minute": 46, "second": 37}
